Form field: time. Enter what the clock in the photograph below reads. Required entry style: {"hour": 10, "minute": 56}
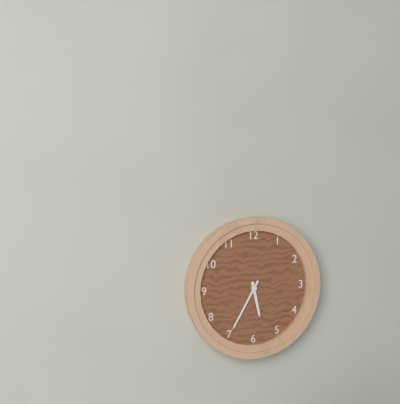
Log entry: {"hour": 5, "minute": 35}
